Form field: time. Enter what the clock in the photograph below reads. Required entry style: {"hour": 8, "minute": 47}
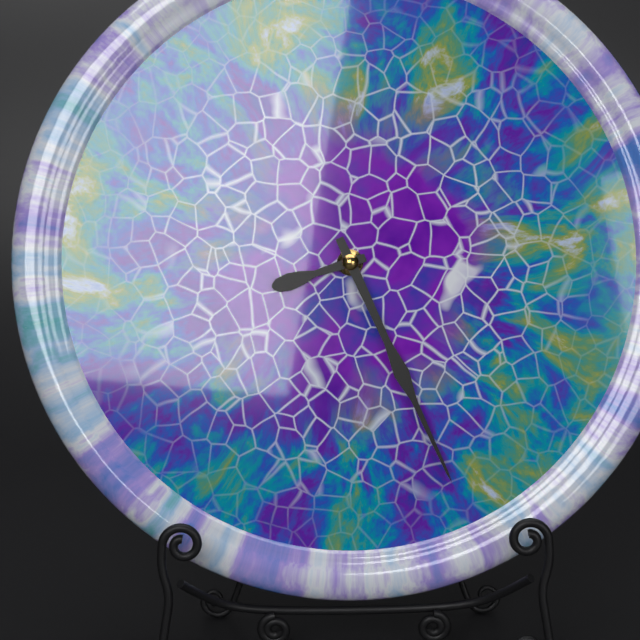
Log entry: {"hour": 8, "minute": 26}
